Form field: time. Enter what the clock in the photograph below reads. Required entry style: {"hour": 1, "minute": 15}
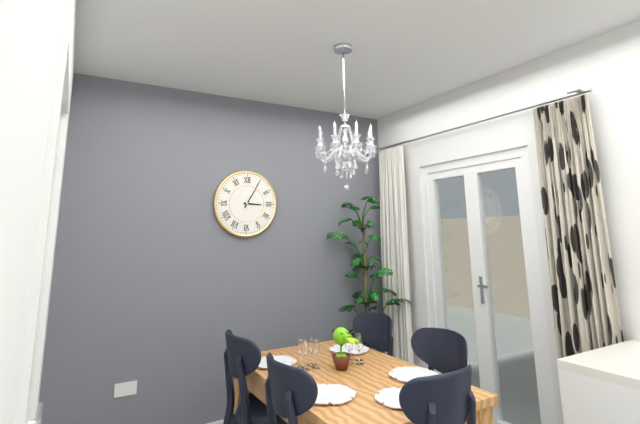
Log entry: {"hour": 3, "minute": 5}
